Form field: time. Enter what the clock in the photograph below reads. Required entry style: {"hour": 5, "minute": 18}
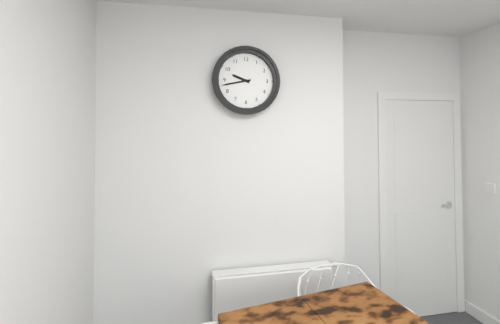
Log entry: {"hour": 9, "minute": 43}
